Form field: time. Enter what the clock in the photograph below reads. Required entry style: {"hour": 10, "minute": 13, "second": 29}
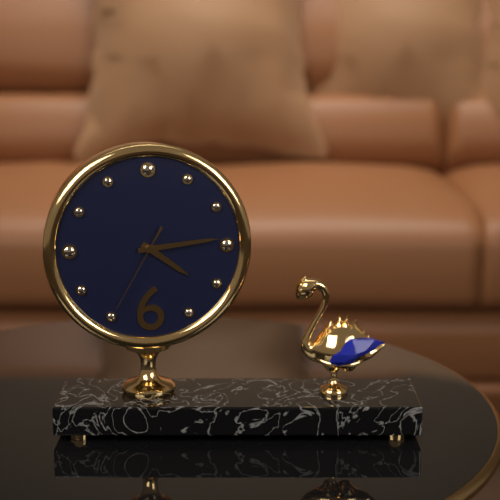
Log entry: {"hour": 4, "minute": 14, "second": 35}
